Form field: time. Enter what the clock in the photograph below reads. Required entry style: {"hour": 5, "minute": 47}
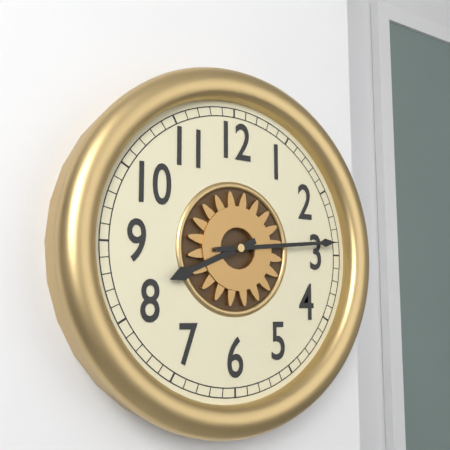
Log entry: {"hour": 8, "minute": 14}
